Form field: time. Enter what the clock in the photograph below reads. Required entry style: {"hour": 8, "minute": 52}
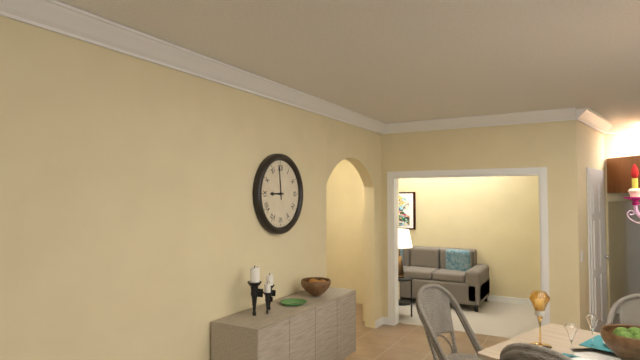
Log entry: {"hour": 8, "minute": 59}
